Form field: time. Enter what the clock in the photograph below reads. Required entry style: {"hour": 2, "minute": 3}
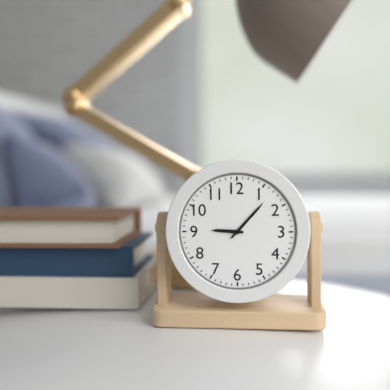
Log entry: {"hour": 9, "minute": 7}
